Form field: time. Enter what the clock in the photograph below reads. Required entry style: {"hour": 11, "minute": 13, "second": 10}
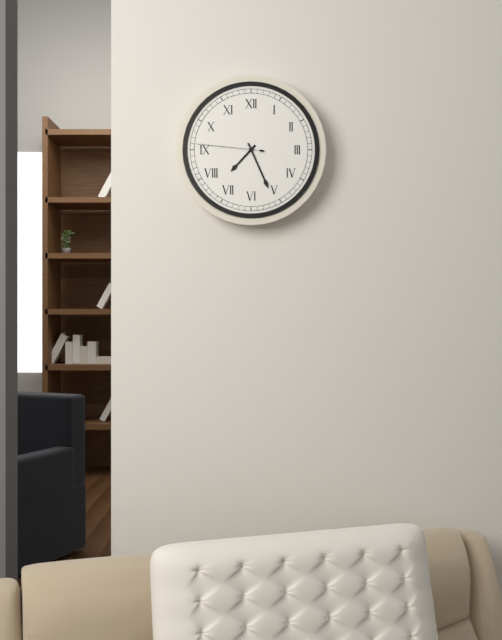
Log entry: {"hour": 7, "minute": 26, "second": 46}
